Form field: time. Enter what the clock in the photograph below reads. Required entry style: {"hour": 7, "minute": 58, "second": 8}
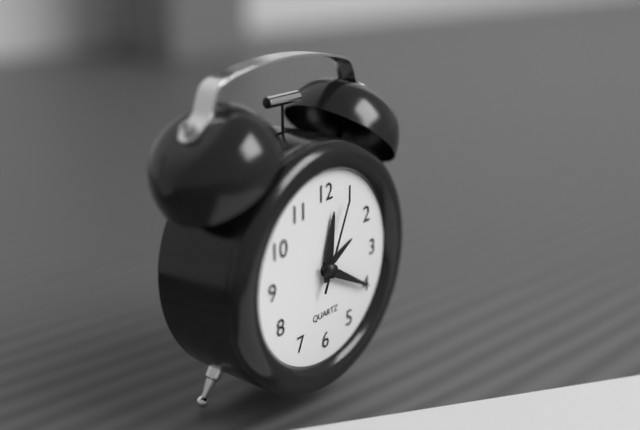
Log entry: {"hour": 12, "minute": 20, "second": 4}
